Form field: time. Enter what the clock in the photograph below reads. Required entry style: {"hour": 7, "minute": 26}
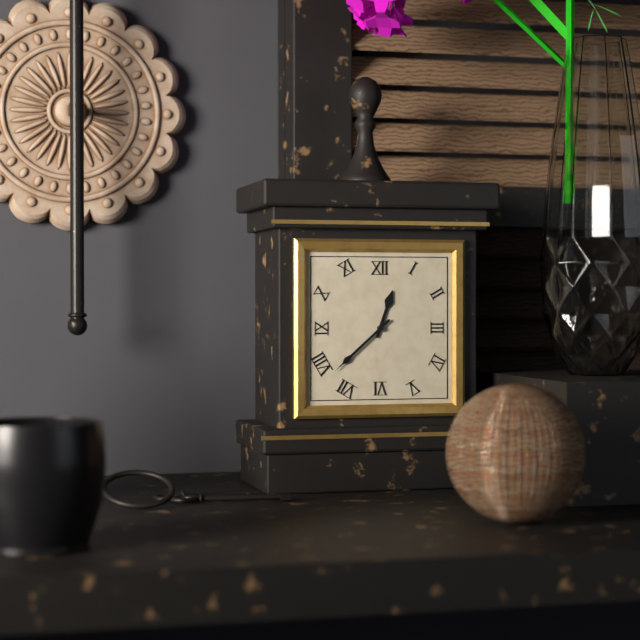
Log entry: {"hour": 12, "minute": 38}
